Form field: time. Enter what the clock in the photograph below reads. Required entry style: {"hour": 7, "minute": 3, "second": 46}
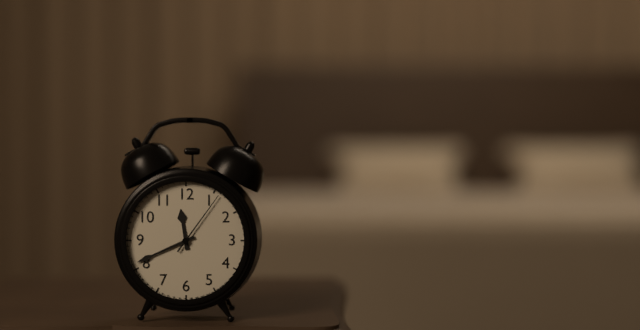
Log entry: {"hour": 11, "minute": 41, "second": 6}
